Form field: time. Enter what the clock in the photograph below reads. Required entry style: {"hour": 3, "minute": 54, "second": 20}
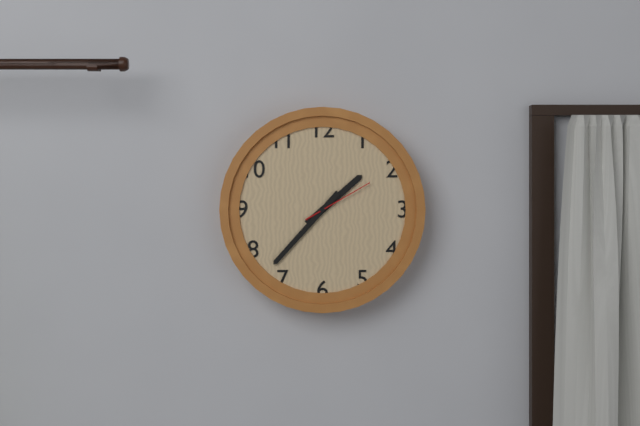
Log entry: {"hour": 1, "minute": 37, "second": 10}
